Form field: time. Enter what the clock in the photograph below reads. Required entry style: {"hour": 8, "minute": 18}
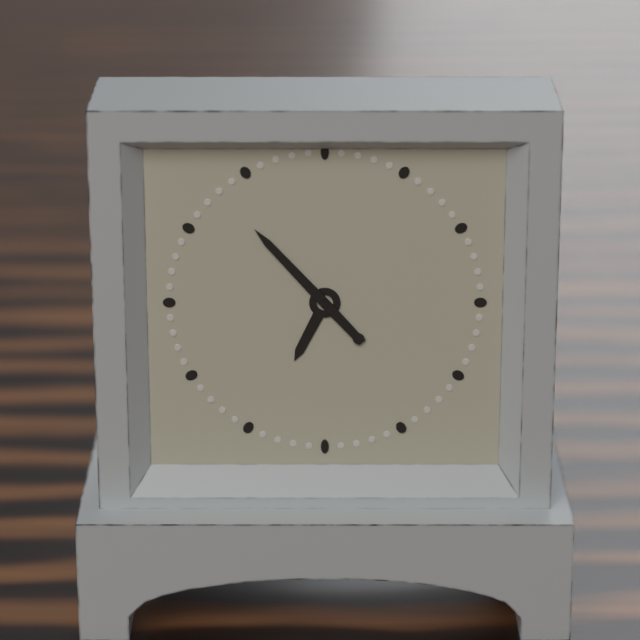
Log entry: {"hour": 6, "minute": 53}
